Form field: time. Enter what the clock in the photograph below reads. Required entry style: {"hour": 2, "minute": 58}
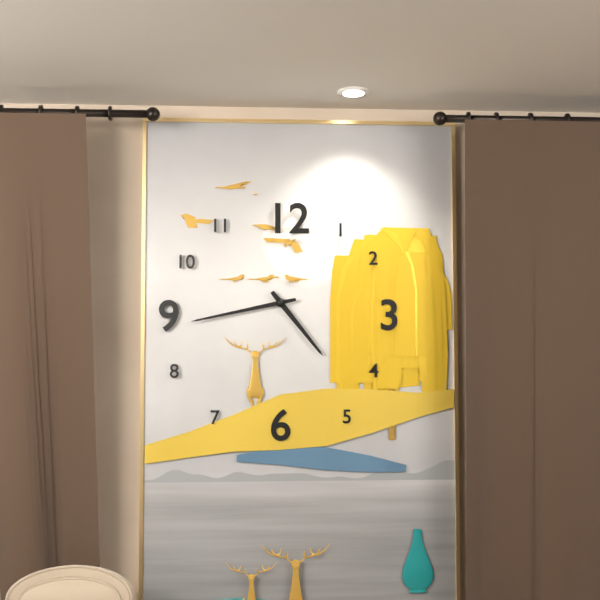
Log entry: {"hour": 4, "minute": 43}
